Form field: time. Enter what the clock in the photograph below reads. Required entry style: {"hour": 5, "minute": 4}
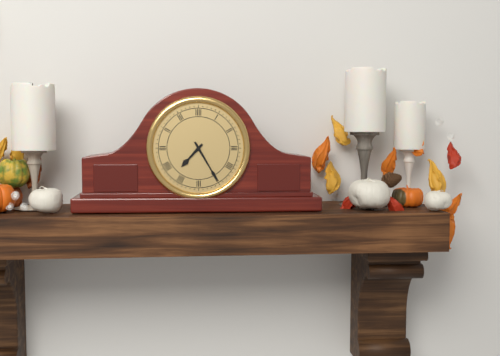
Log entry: {"hour": 7, "minute": 25}
